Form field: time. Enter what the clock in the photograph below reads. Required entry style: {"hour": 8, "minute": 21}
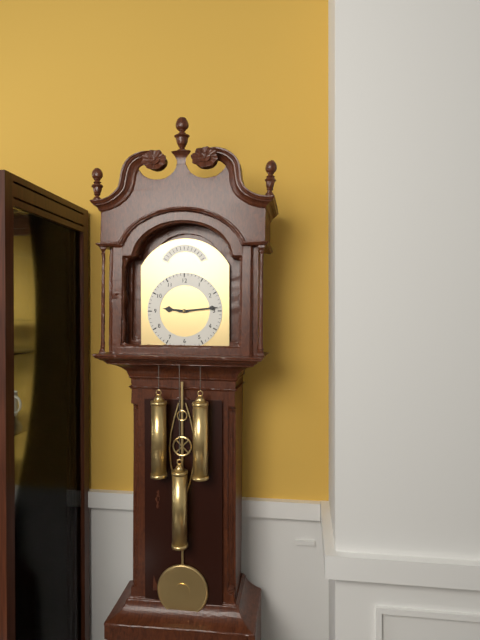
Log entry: {"hour": 9, "minute": 14}
